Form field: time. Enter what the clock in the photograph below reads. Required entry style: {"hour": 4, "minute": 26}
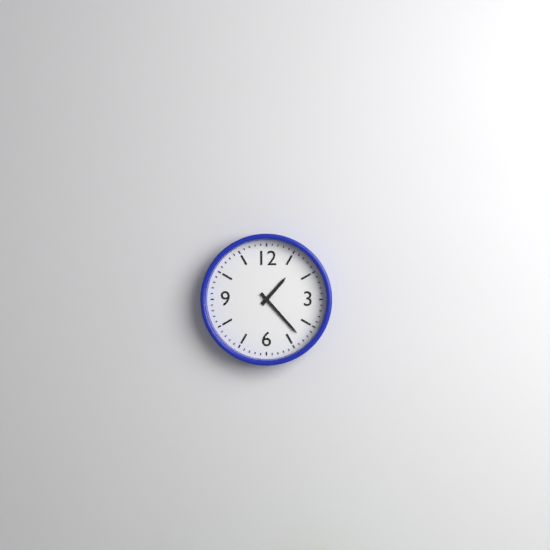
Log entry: {"hour": 1, "minute": 23}
